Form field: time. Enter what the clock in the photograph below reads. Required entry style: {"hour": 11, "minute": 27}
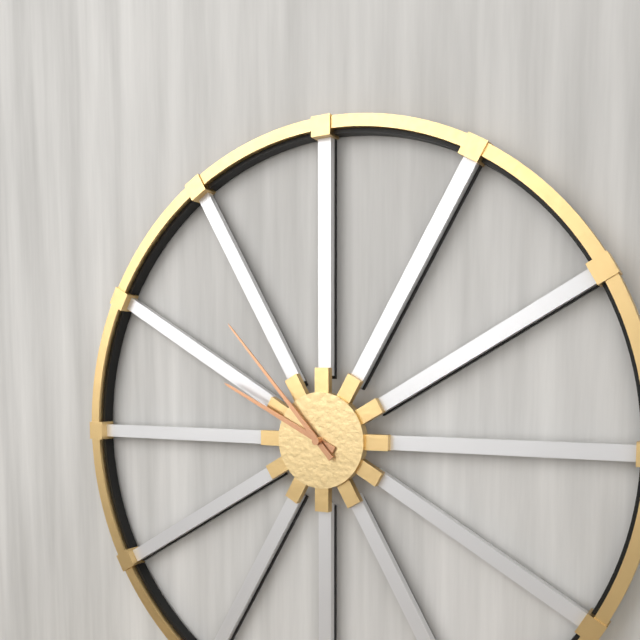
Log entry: {"hour": 9, "minute": 53}
